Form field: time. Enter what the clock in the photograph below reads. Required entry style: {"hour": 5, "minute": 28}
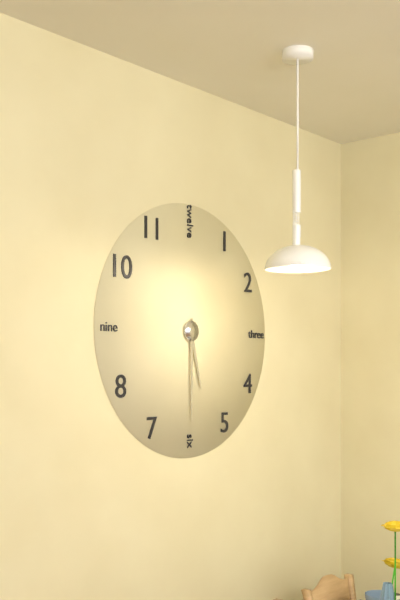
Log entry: {"hour": 5, "minute": 30}
